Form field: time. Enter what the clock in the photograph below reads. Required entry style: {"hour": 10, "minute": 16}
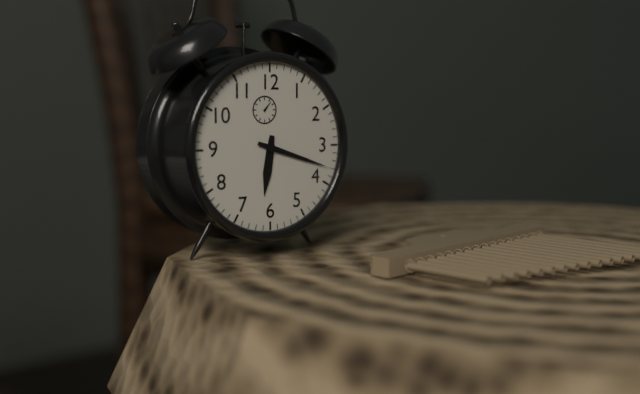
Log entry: {"hour": 6, "minute": 18}
